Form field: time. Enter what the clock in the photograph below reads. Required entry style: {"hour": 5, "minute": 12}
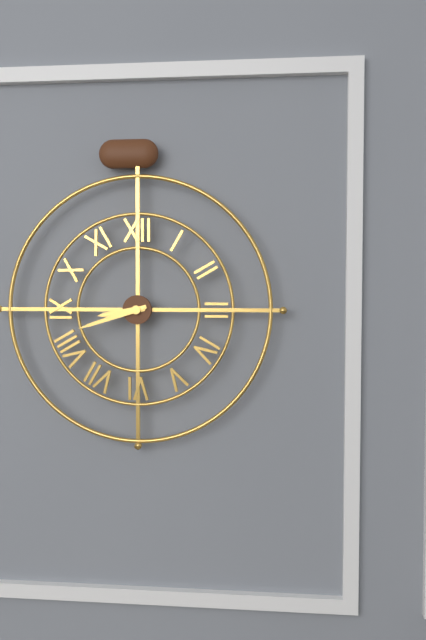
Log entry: {"hour": 8, "minute": 42}
